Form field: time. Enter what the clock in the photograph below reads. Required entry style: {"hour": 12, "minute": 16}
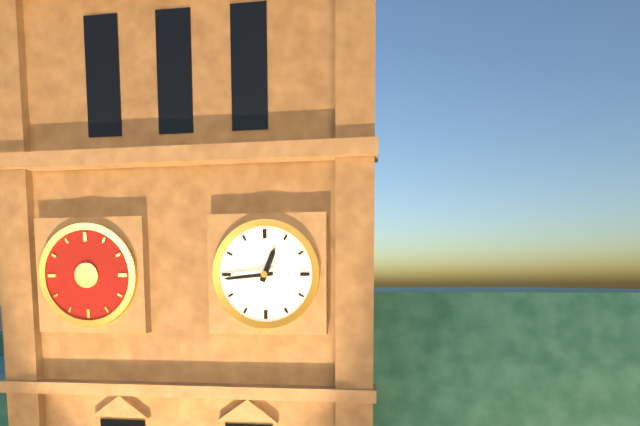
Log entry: {"hour": 12, "minute": 44}
